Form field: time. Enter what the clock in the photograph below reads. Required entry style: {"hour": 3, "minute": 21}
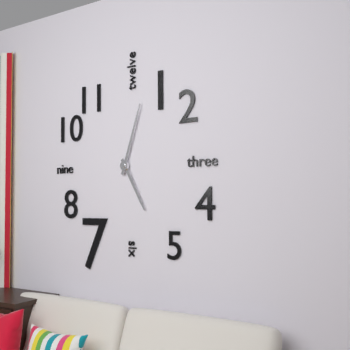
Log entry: {"hour": 5, "minute": 3}
